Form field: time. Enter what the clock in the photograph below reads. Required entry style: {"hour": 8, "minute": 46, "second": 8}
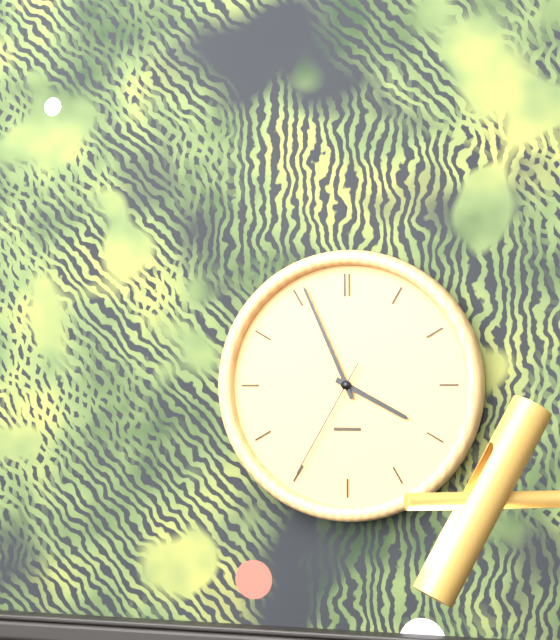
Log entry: {"hour": 3, "minute": 56, "second": 35}
